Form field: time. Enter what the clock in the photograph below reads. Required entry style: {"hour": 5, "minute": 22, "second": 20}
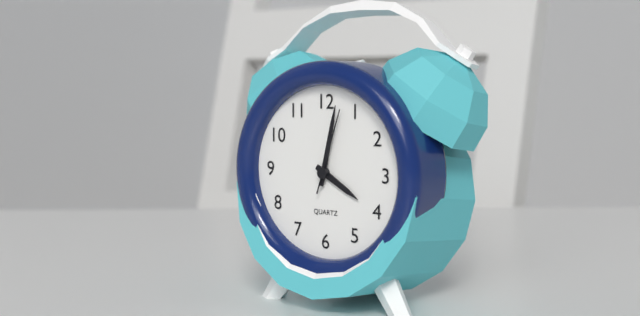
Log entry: {"hour": 4, "minute": 2, "second": 3}
